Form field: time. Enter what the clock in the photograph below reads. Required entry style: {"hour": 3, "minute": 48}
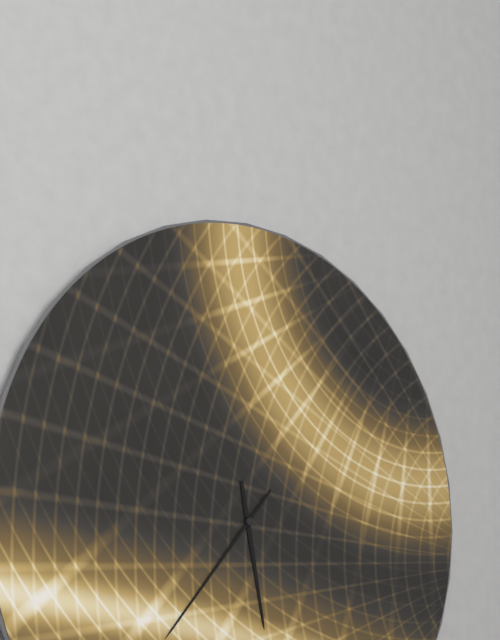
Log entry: {"hour": 5, "minute": 37}
